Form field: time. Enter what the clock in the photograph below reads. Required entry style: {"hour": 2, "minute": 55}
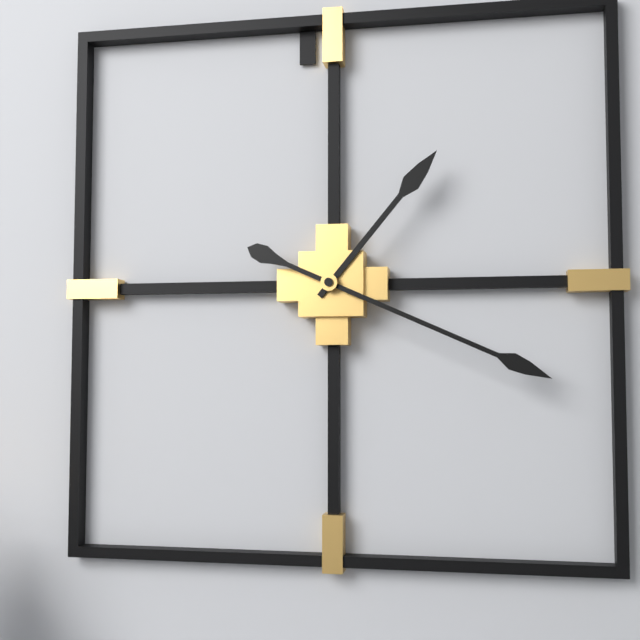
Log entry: {"hour": 1, "minute": 19}
